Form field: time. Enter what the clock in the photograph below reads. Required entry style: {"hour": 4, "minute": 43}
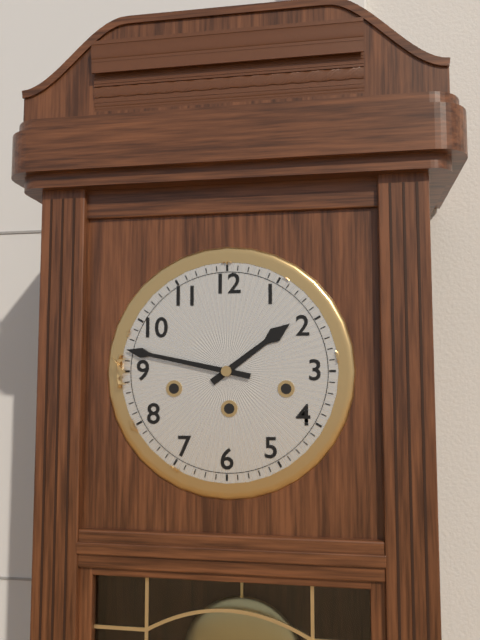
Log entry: {"hour": 1, "minute": 47}
